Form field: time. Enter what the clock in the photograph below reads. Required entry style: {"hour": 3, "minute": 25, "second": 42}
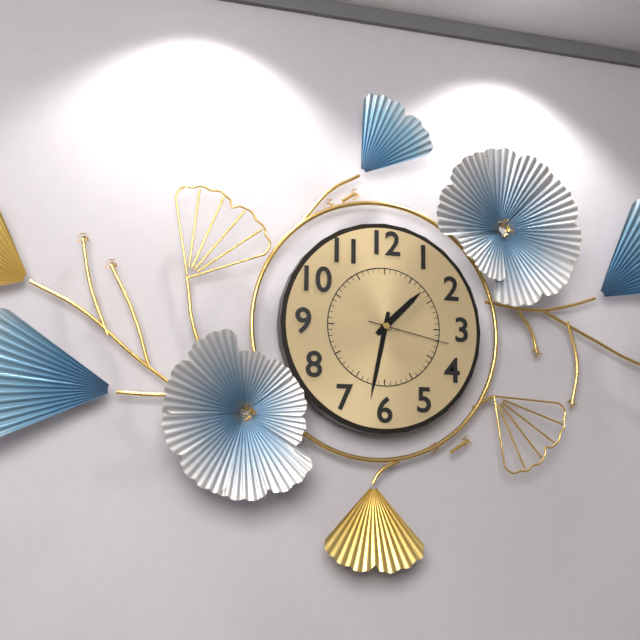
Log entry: {"hour": 1, "minute": 32, "second": 17}
